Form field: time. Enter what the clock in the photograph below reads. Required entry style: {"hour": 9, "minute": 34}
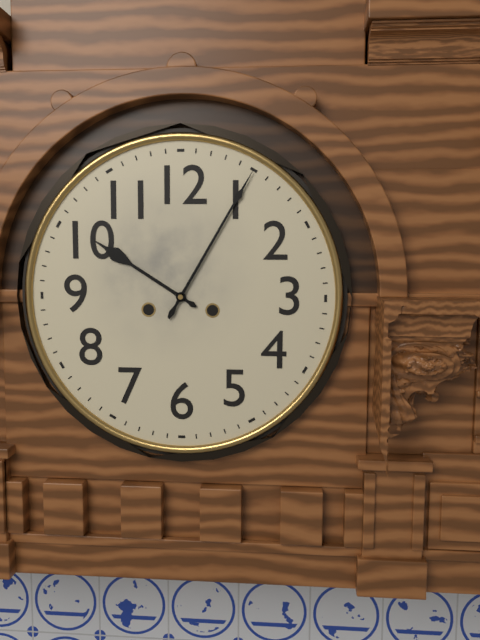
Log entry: {"hour": 10, "minute": 5}
